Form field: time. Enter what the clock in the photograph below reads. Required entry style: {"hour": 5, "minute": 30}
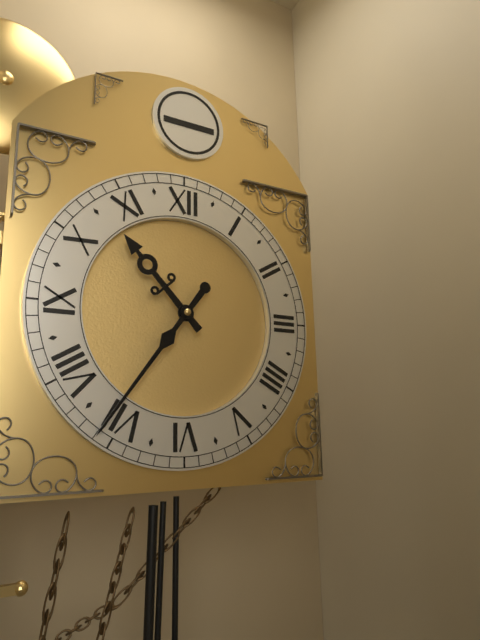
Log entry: {"hour": 10, "minute": 36}
